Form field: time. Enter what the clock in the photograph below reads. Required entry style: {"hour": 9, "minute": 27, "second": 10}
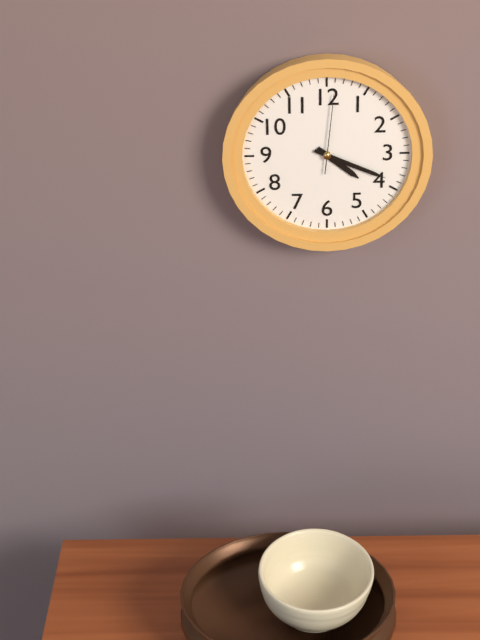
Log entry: {"hour": 4, "minute": 19, "second": 1}
